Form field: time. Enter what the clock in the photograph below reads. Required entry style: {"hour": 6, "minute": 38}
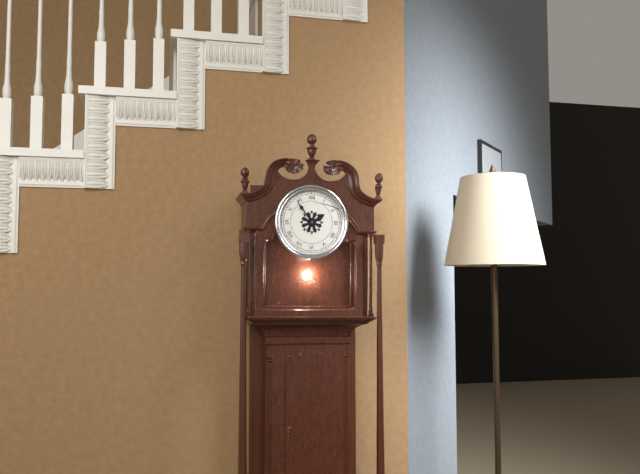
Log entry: {"hour": 1, "minute": 54}
